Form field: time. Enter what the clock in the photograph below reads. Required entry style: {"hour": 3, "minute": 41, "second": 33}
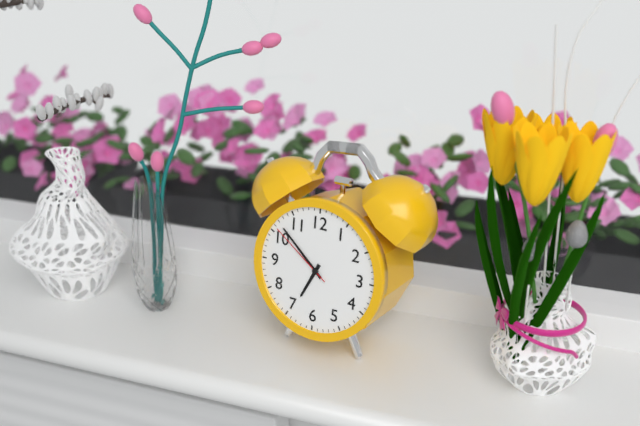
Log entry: {"hour": 6, "minute": 52, "second": 51}
